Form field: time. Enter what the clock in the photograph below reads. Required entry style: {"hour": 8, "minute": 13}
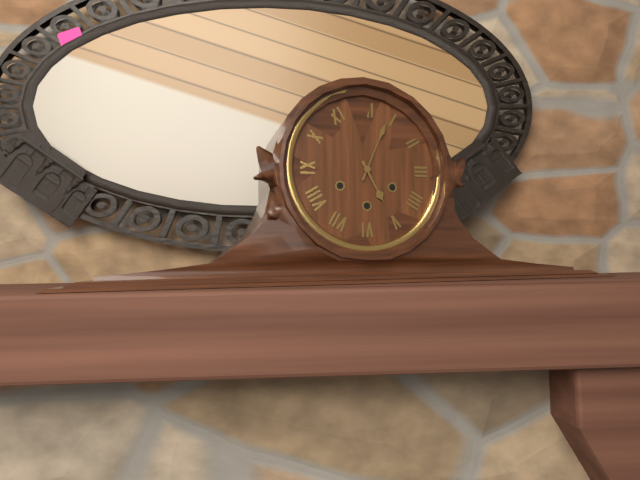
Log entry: {"hour": 5, "minute": 4}
